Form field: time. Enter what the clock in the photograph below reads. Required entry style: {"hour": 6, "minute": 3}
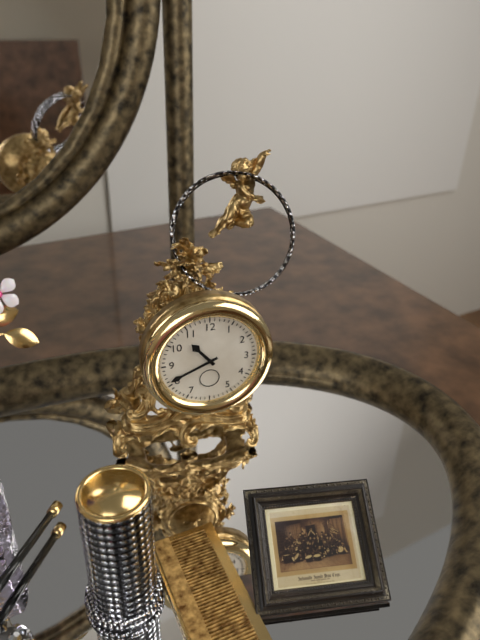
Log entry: {"hour": 10, "minute": 41}
